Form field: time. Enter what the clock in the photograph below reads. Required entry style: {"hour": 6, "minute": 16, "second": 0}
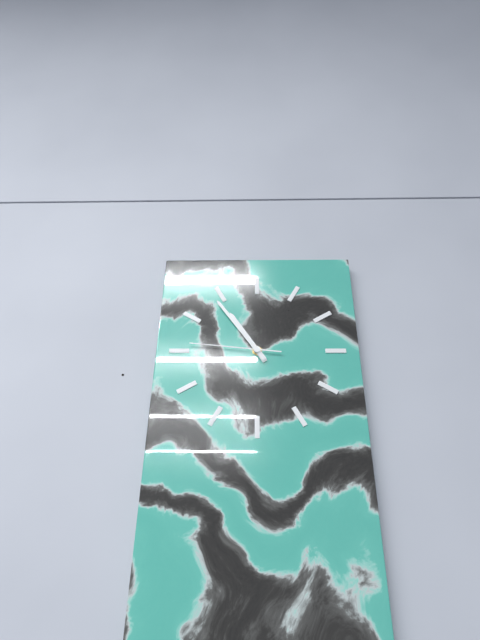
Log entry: {"hour": 10, "minute": 54, "second": 46}
